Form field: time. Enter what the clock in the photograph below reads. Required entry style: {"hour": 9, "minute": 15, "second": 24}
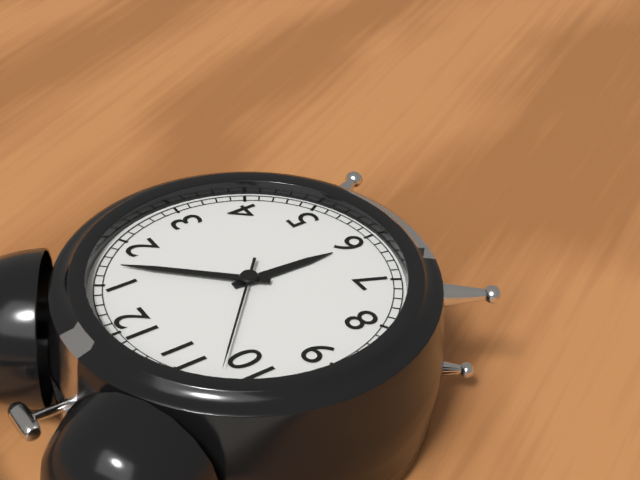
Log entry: {"hour": 6, "minute": 7, "second": 52}
